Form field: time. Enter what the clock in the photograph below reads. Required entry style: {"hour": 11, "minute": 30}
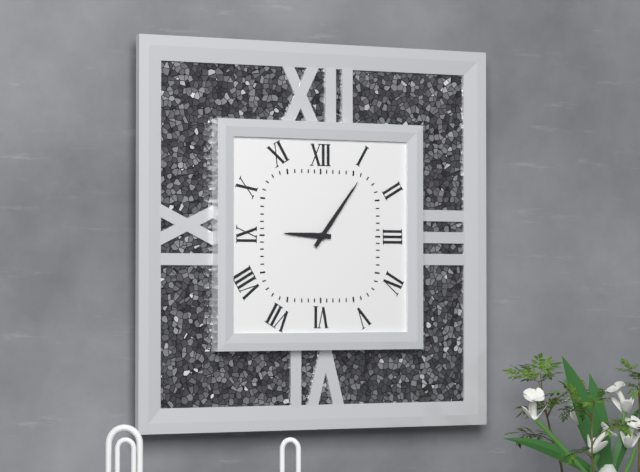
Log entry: {"hour": 9, "minute": 6}
